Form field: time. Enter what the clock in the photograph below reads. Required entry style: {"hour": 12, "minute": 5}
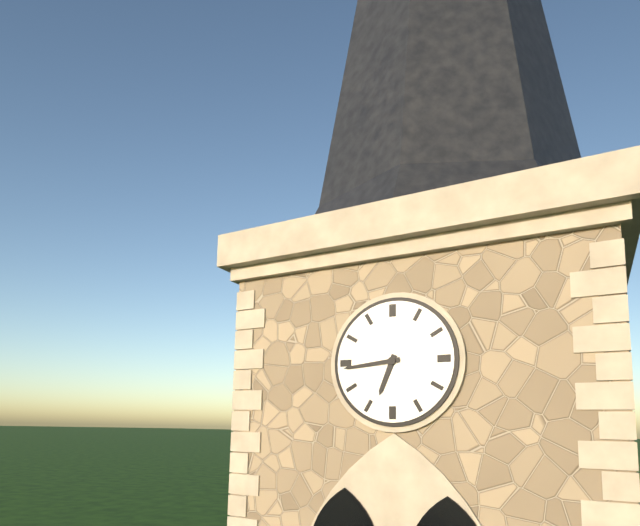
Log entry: {"hour": 6, "minute": 44}
